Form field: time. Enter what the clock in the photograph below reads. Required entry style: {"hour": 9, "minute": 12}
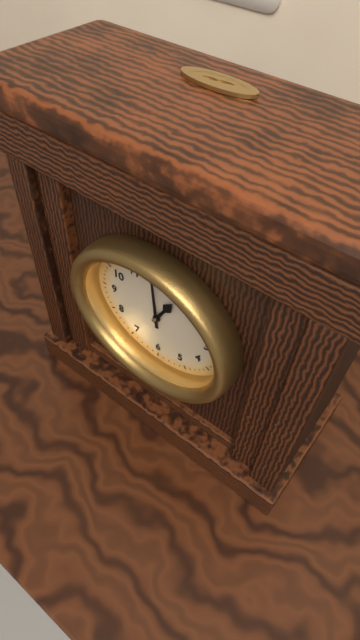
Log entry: {"hour": 12, "minute": 59}
